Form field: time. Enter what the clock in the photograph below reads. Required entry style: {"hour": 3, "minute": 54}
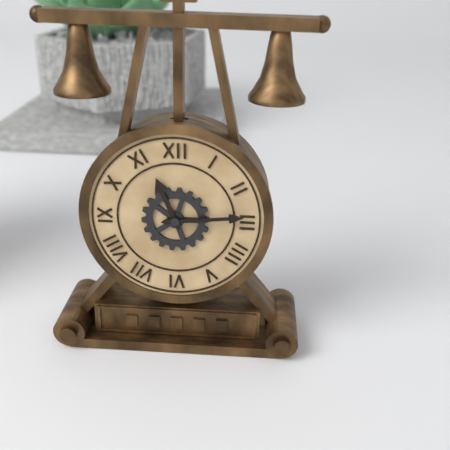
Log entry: {"hour": 11, "minute": 14}
